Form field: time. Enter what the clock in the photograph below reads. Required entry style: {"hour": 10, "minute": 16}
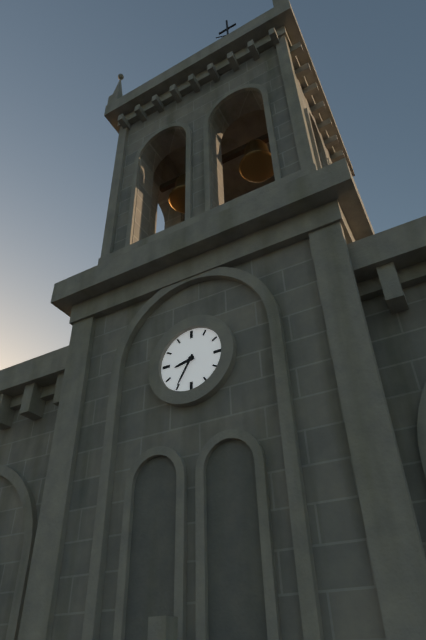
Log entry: {"hour": 8, "minute": 35}
